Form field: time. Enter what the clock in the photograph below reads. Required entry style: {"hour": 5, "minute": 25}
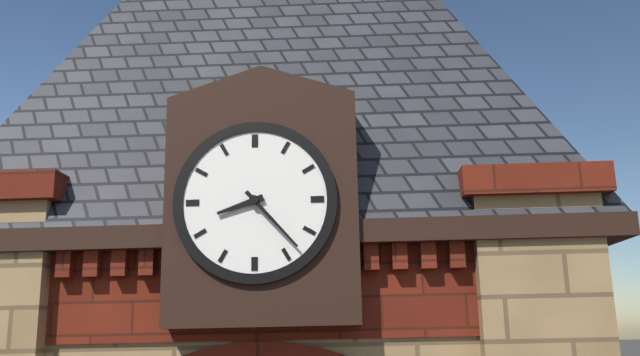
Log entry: {"hour": 8, "minute": 23}
